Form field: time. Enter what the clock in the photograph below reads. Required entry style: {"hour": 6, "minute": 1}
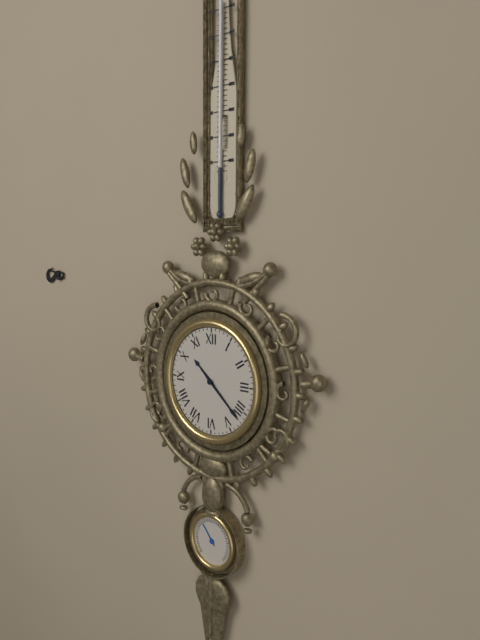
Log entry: {"hour": 10, "minute": 22}
